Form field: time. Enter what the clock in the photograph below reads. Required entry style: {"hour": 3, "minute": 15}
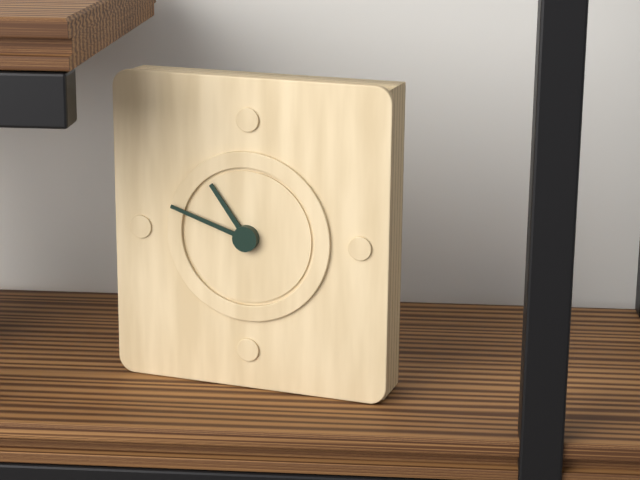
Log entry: {"hour": 10, "minute": 48}
